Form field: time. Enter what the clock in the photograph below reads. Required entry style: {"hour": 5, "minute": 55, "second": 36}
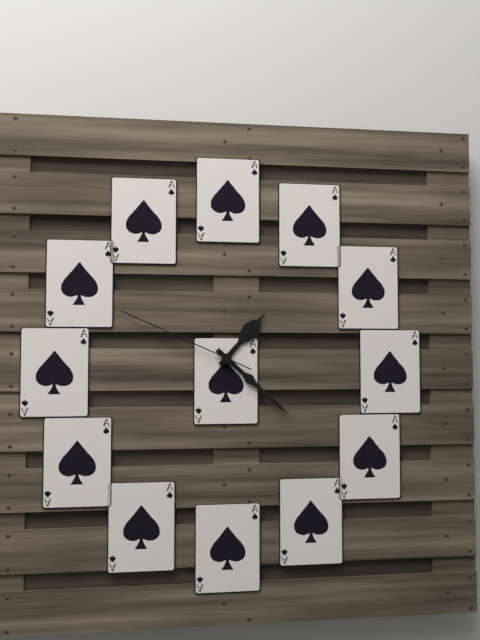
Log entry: {"hour": 1, "minute": 22, "second": 49}
